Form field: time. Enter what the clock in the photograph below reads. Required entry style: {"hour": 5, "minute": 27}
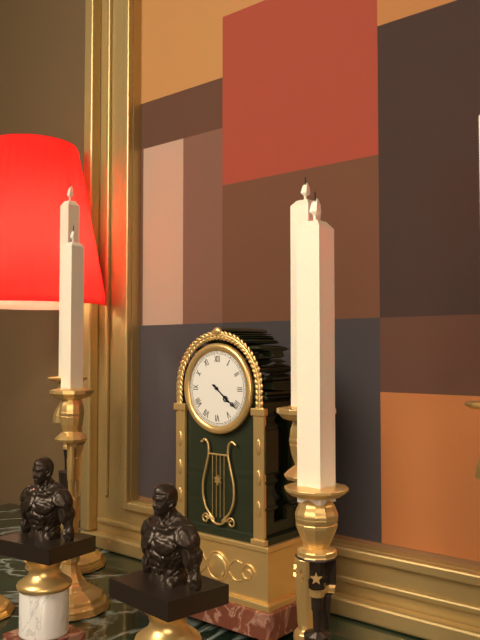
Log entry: {"hour": 4, "minute": 21}
